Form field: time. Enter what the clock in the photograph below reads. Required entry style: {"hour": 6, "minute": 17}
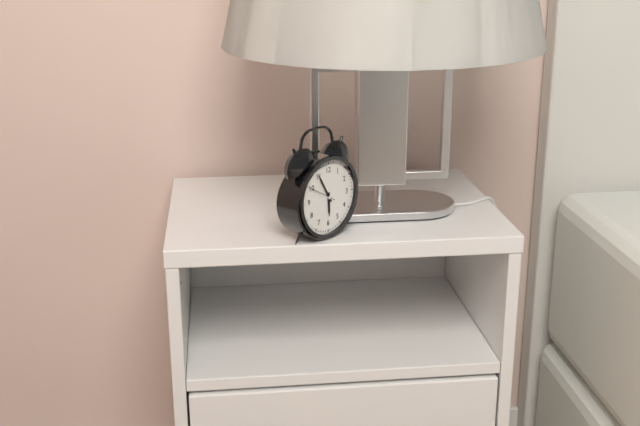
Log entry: {"hour": 5, "minute": 55}
